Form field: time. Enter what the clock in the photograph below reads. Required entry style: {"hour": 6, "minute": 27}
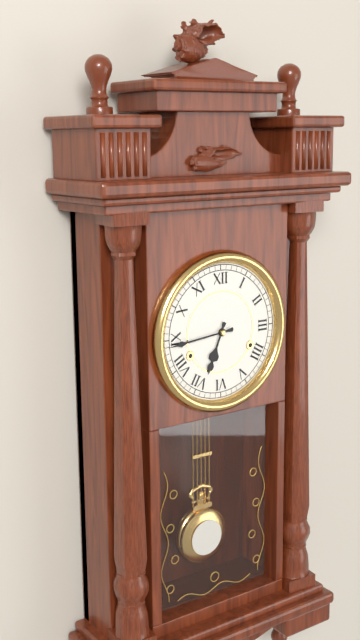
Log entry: {"hour": 6, "minute": 44}
